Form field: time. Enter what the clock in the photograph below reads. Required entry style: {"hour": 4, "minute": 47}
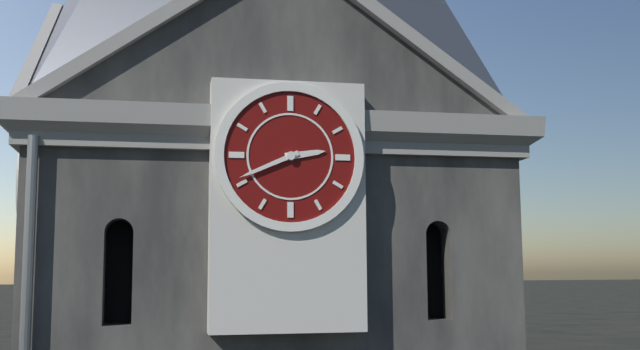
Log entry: {"hour": 2, "minute": 41}
